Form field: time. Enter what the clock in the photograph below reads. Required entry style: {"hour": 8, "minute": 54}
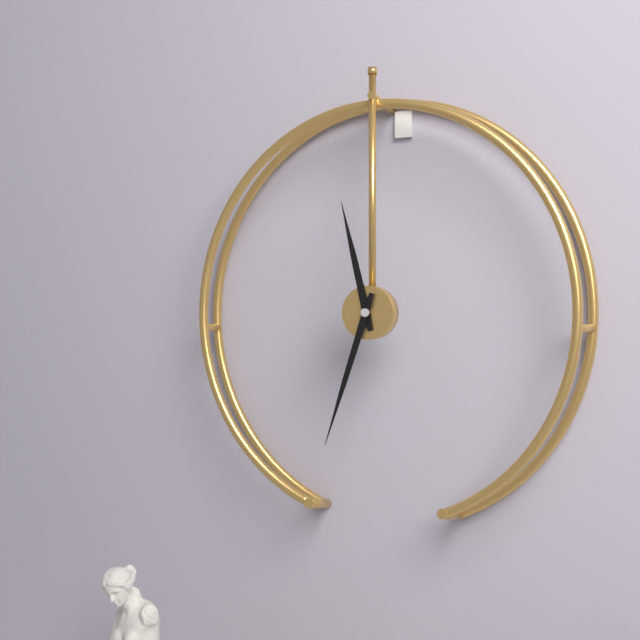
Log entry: {"hour": 11, "minute": 33}
